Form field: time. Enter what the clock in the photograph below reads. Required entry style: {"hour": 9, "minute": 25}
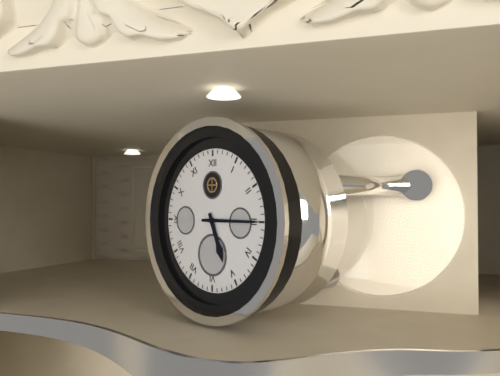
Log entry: {"hour": 5, "minute": 15}
